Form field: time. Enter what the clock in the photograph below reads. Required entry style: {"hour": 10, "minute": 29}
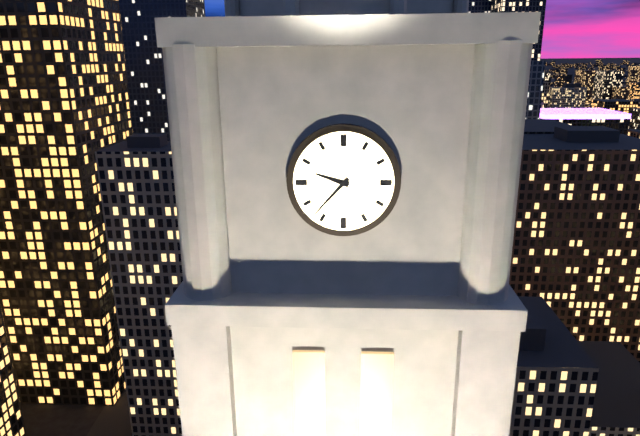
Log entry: {"hour": 9, "minute": 37}
